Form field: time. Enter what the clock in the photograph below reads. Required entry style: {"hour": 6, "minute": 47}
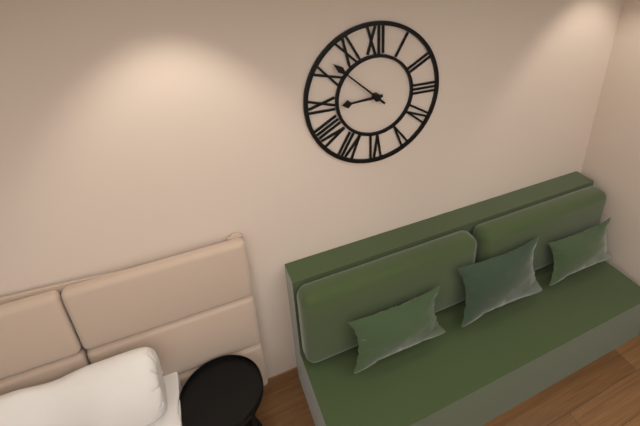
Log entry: {"hour": 8, "minute": 52}
